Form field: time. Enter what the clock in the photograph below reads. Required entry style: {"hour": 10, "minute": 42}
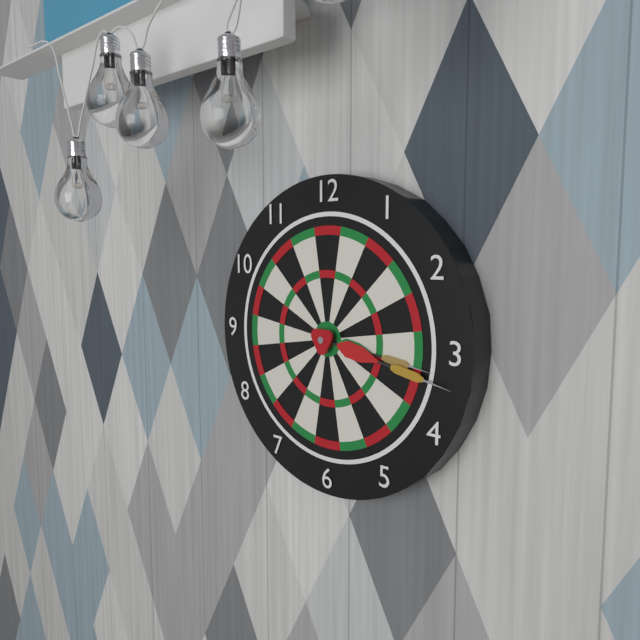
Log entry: {"hour": 3, "minute": 17}
